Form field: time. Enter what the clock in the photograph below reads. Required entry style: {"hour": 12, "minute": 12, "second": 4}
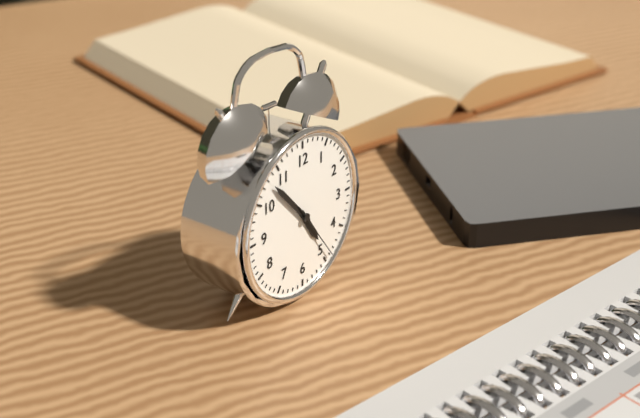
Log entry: {"hour": 4, "minute": 53, "second": 24}
